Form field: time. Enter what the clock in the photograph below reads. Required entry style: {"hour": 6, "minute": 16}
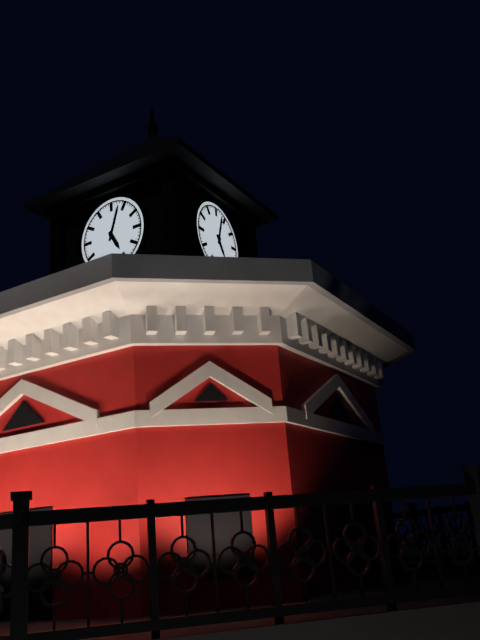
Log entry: {"hour": 5, "minute": 3}
